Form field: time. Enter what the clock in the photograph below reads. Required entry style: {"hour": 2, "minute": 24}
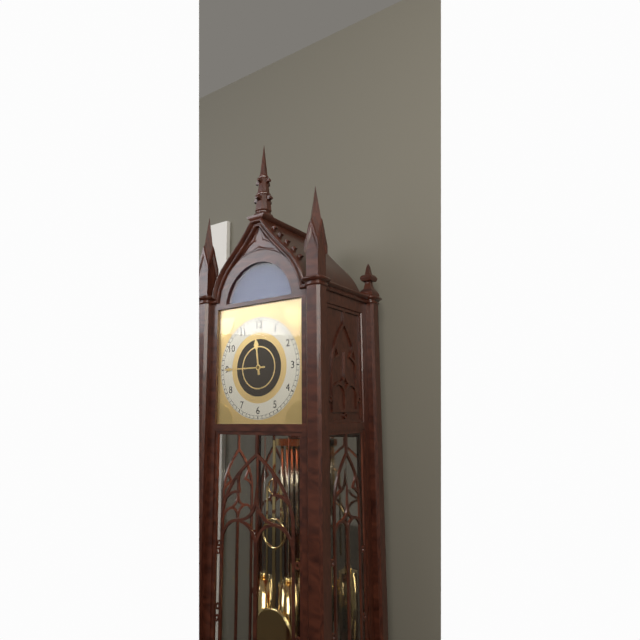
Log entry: {"hour": 11, "minute": 45}
